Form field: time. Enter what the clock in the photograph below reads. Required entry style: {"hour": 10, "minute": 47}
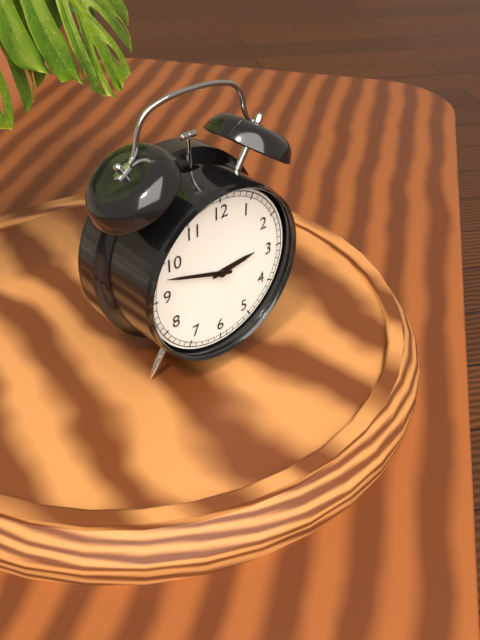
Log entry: {"hour": 2, "minute": 48}
